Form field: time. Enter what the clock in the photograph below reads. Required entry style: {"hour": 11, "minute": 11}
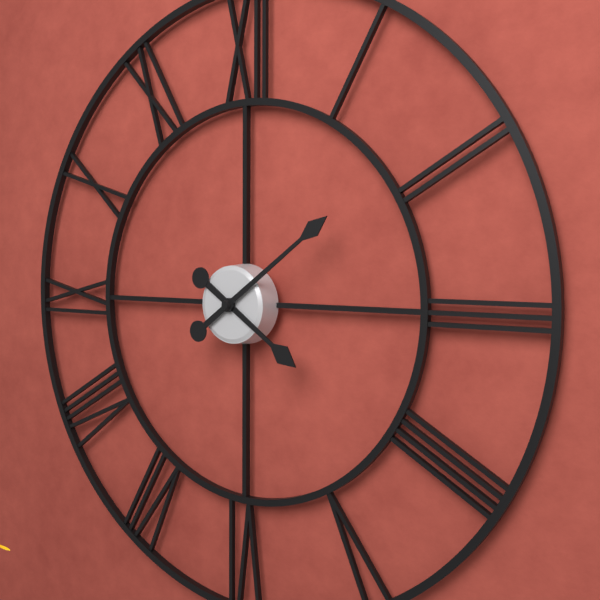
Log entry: {"hour": 4, "minute": 9}
